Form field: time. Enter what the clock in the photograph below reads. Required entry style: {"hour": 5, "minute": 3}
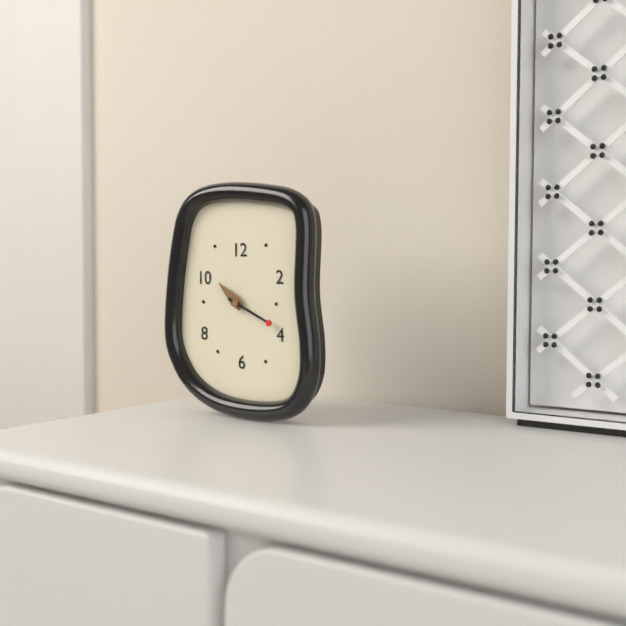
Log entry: {"hour": 10, "minute": 19}
